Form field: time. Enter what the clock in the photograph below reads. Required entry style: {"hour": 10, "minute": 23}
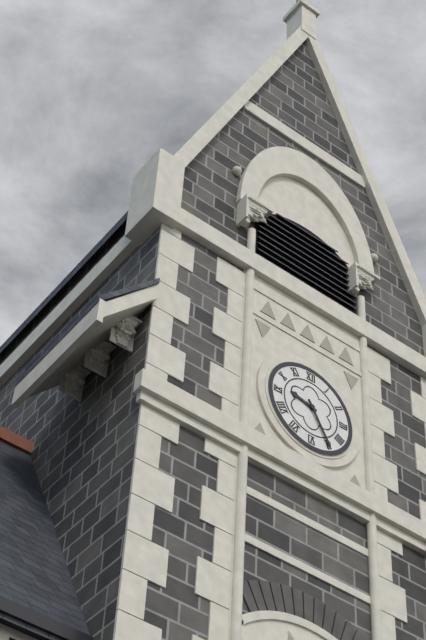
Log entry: {"hour": 9, "minute": 25}
